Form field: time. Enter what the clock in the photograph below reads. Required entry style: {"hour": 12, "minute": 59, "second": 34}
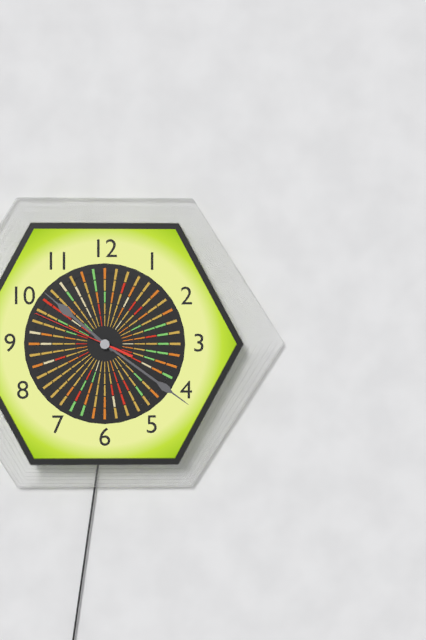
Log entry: {"hour": 10, "minute": 21, "second": 49}
